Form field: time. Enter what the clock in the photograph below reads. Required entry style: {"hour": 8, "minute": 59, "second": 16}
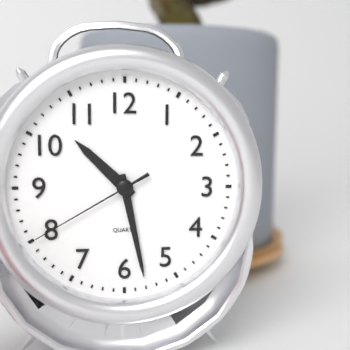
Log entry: {"hour": 10, "minute": 28, "second": 40}
